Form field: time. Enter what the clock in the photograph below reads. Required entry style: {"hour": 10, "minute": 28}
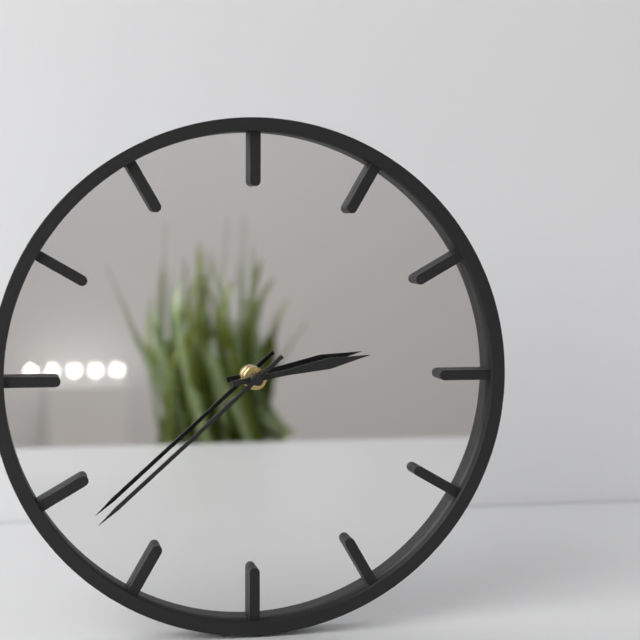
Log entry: {"hour": 2, "minute": 38}
